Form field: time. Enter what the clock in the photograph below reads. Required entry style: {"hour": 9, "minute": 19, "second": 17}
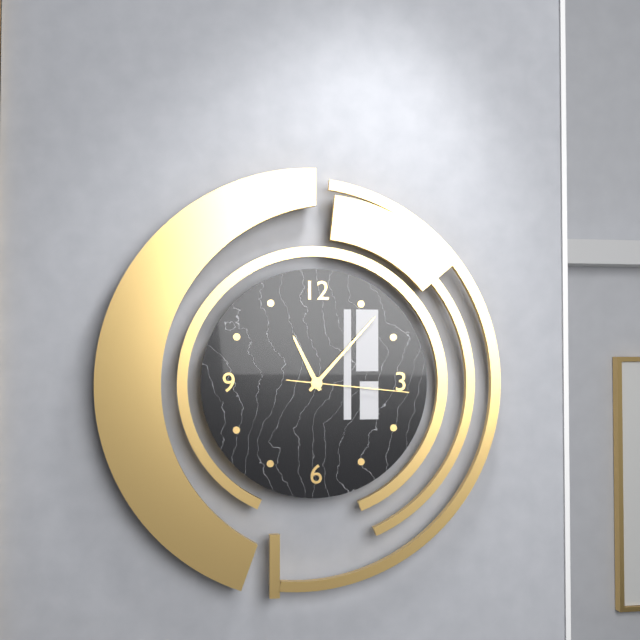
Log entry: {"hour": 11, "minute": 7, "second": 16}
